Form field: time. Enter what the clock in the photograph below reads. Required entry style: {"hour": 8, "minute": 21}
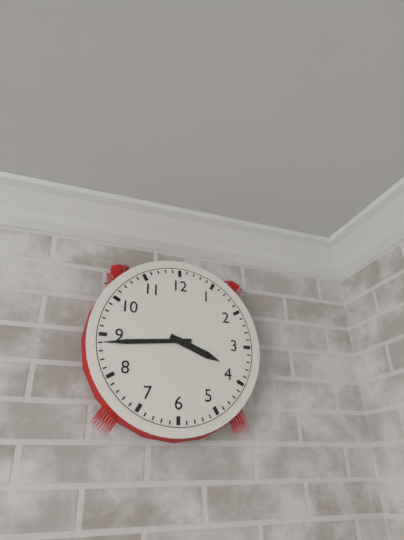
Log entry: {"hour": 3, "minute": 44}
